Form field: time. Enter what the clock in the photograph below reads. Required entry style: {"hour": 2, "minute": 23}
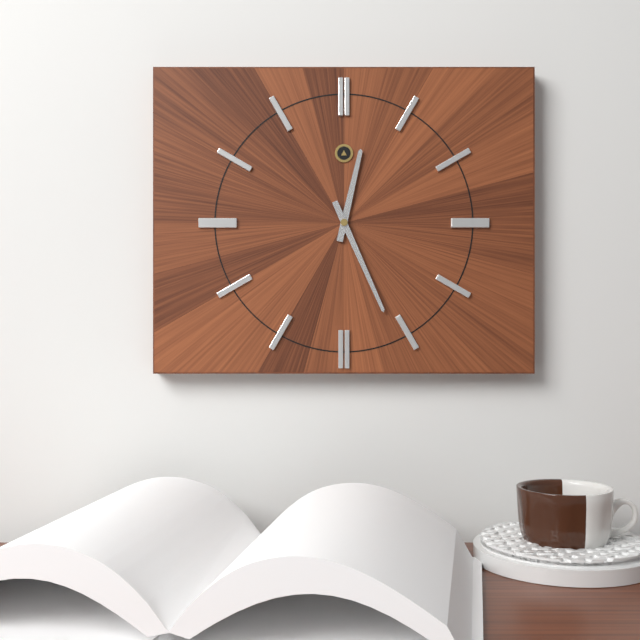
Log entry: {"hour": 12, "minute": 26}
